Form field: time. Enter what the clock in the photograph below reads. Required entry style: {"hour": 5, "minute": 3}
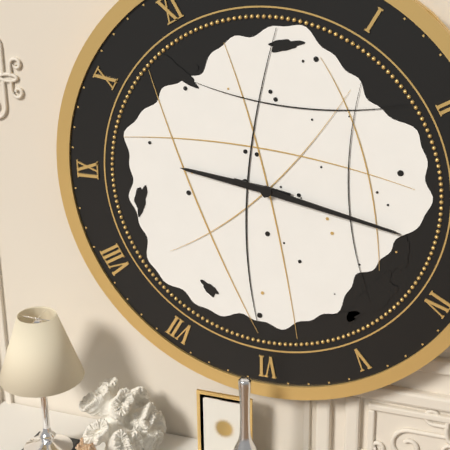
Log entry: {"hour": 9, "minute": 17}
